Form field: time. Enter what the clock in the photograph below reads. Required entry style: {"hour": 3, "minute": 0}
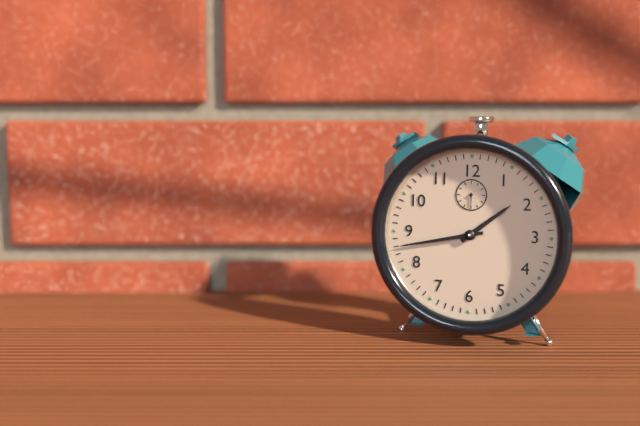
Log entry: {"hour": 1, "minute": 43}
